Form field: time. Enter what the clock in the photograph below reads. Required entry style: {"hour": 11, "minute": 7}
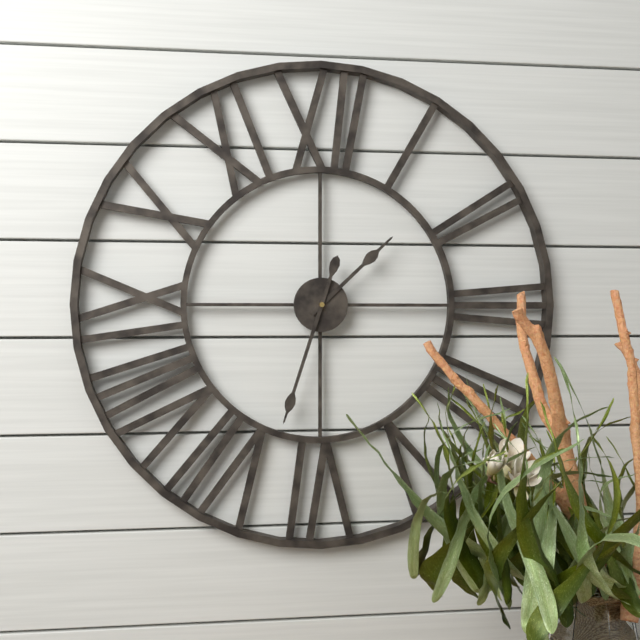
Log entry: {"hour": 1, "minute": 33}
